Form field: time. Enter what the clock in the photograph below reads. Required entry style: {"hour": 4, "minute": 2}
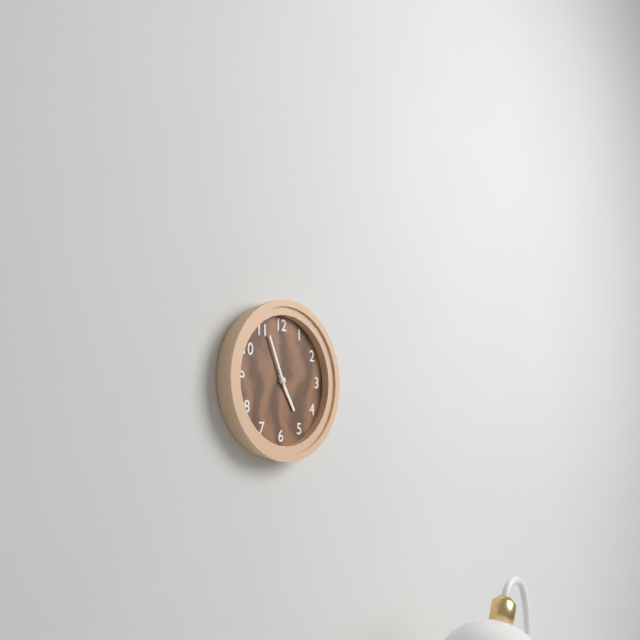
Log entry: {"hour": 4, "minute": 56}
